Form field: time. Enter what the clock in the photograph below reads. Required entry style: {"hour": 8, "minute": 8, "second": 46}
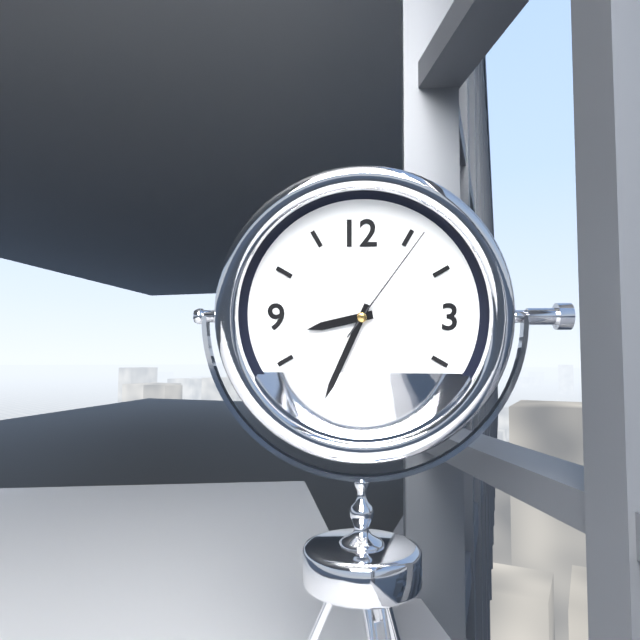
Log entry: {"hour": 8, "minute": 34, "second": 6}
